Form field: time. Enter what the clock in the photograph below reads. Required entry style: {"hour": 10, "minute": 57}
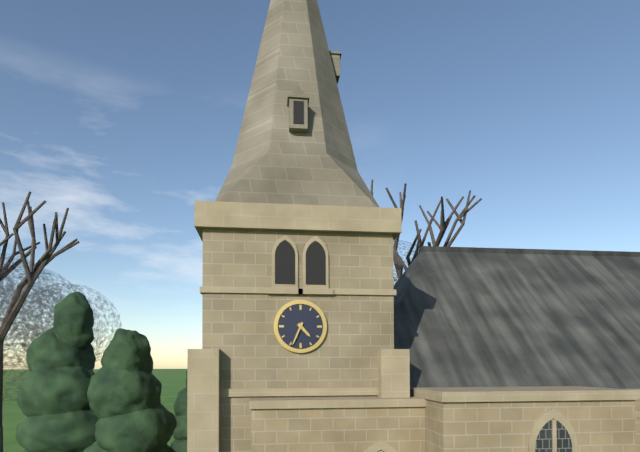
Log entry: {"hour": 4, "minute": 34}
